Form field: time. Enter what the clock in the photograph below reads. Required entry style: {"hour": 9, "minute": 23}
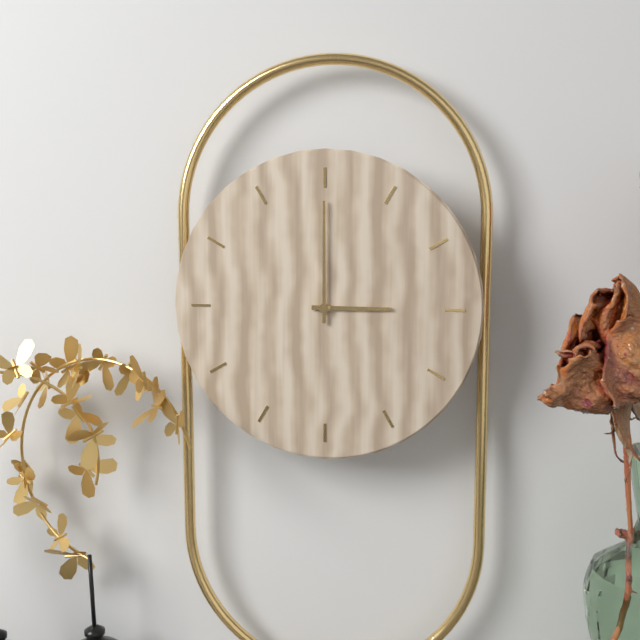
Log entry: {"hour": 3, "minute": 0}
